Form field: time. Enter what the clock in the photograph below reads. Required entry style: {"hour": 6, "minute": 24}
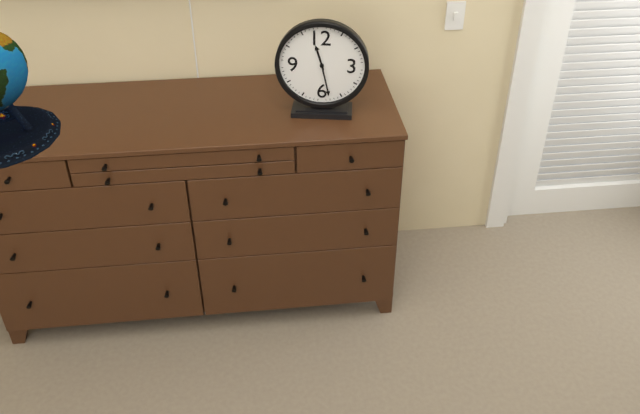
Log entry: {"hour": 11, "minute": 28}
